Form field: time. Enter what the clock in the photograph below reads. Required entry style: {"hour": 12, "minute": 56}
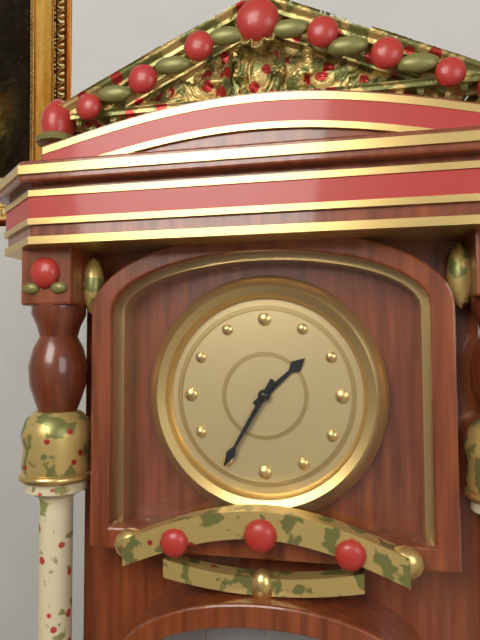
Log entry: {"hour": 1, "minute": 35}
